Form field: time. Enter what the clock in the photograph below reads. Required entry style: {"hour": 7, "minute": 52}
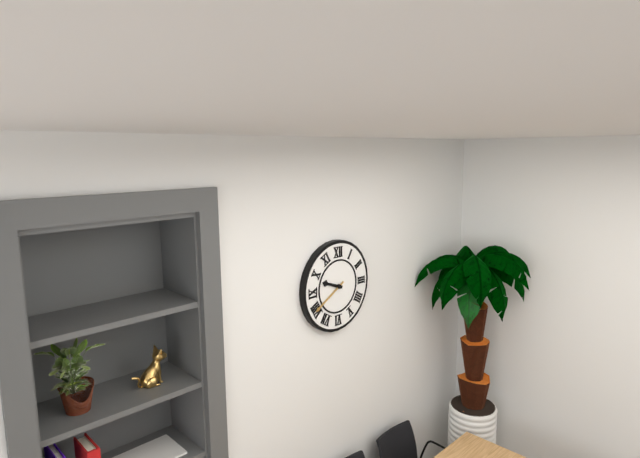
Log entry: {"hour": 9, "minute": 40}
